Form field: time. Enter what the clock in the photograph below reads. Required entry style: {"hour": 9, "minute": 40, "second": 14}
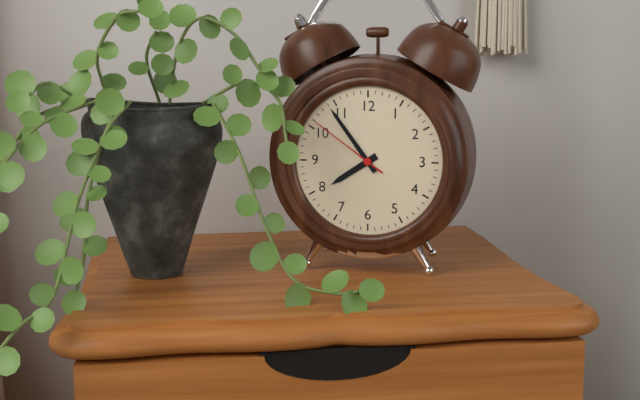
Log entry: {"hour": 7, "minute": 54, "second": 51}
